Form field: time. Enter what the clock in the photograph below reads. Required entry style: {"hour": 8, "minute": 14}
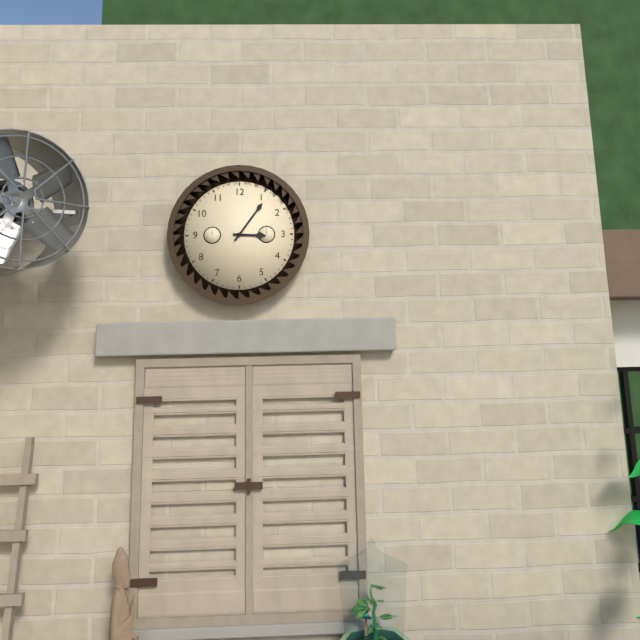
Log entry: {"hour": 3, "minute": 6}
